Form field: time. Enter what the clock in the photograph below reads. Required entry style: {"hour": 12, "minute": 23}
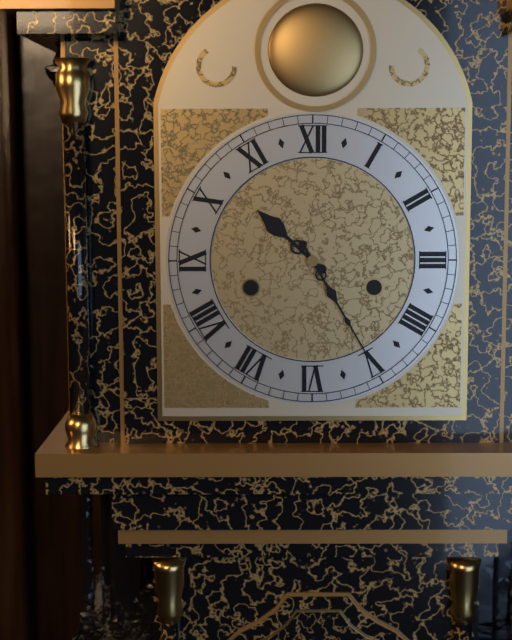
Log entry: {"hour": 10, "minute": 25}
